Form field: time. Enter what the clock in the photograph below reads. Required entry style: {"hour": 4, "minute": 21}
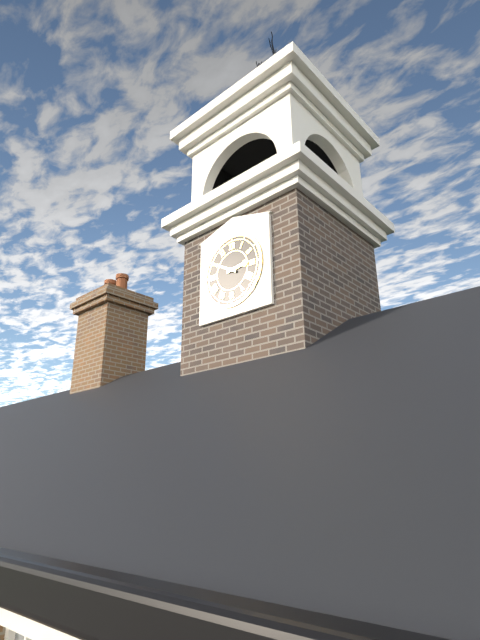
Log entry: {"hour": 2, "minute": 50}
